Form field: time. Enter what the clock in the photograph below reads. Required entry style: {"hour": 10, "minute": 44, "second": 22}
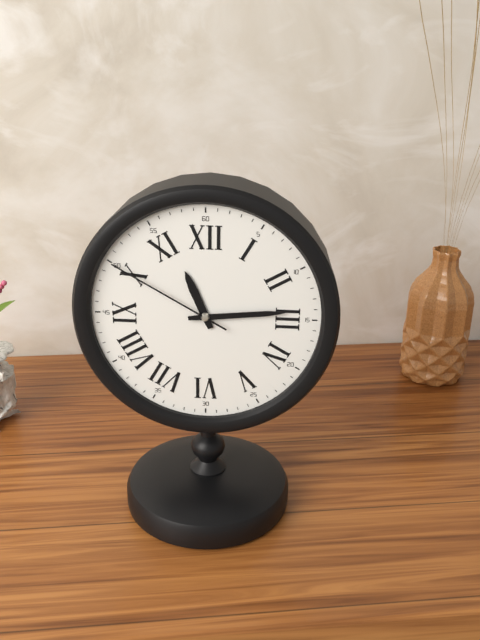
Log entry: {"hour": 11, "minute": 14, "second": 50}
